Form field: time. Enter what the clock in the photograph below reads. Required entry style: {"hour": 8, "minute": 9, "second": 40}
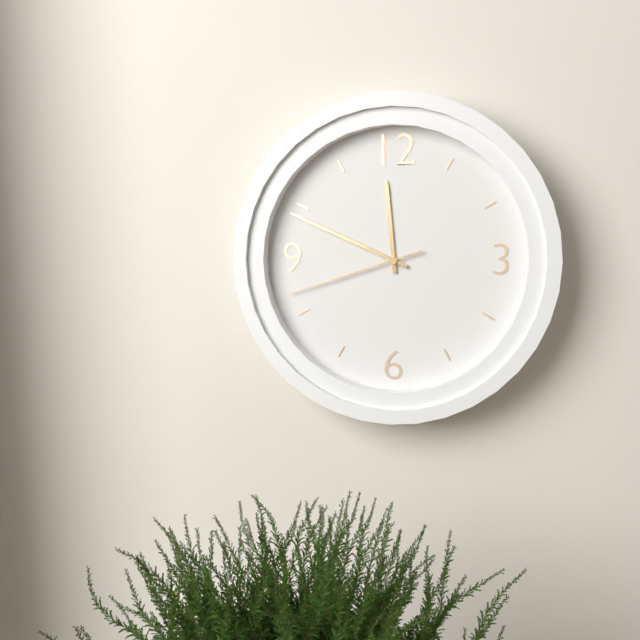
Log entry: {"hour": 11, "minute": 49, "second": 42}
